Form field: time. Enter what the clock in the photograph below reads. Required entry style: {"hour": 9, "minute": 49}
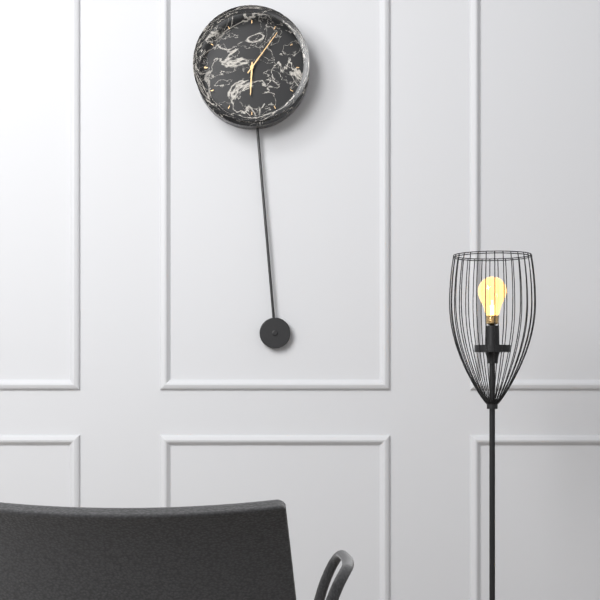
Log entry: {"hour": 6, "minute": 6}
